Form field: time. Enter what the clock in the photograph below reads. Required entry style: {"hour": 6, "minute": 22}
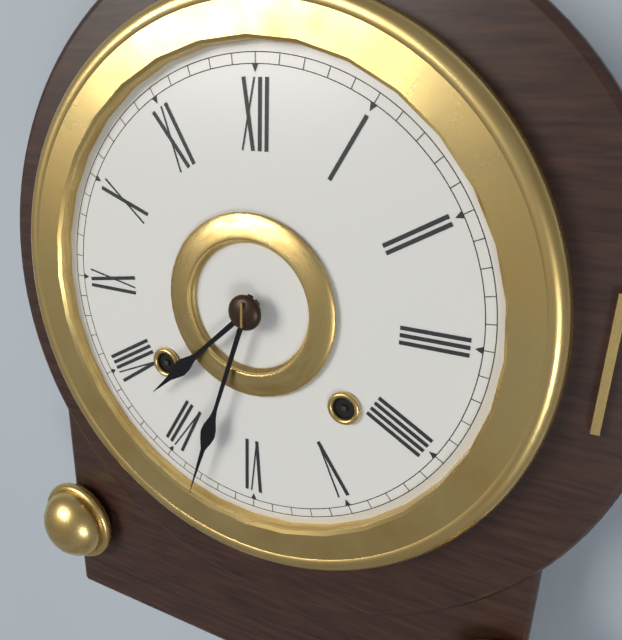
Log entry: {"hour": 7, "minute": 33}
